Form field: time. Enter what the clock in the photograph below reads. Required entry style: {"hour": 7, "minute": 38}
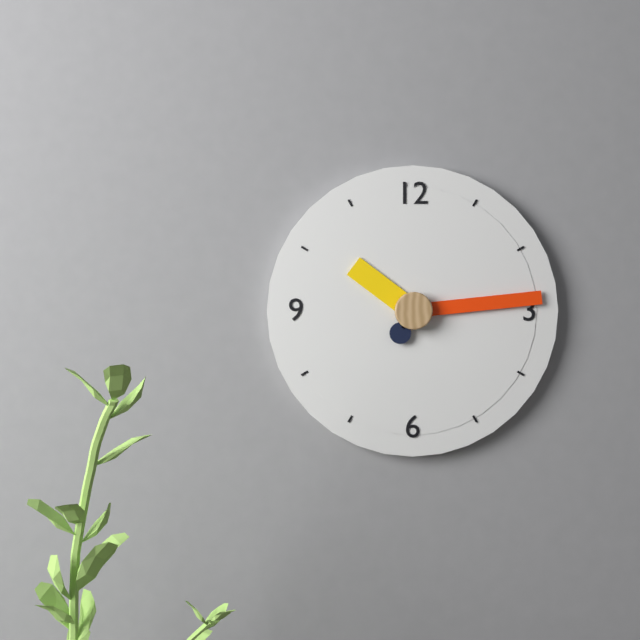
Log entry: {"hour": 10, "minute": 14}
